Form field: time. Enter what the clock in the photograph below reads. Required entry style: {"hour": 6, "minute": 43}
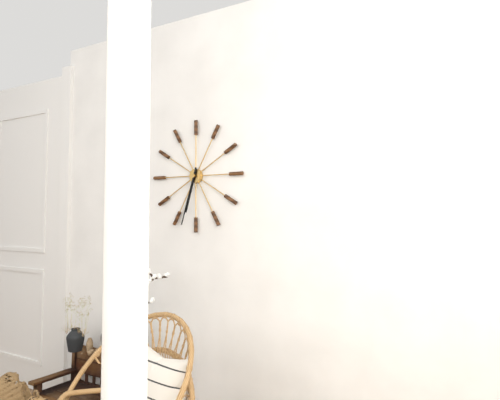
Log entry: {"hour": 6, "minute": 33}
